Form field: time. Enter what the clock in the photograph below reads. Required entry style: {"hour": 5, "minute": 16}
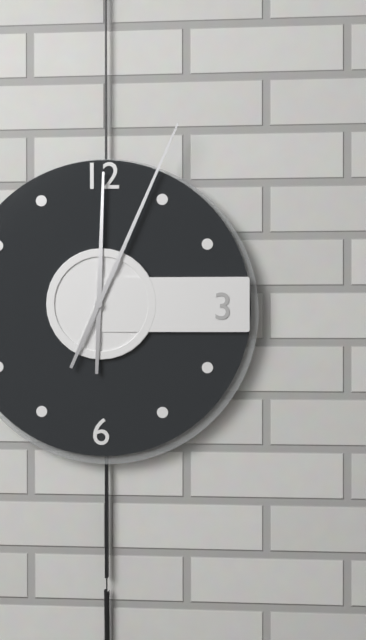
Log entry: {"hour": 12, "minute": 4}
